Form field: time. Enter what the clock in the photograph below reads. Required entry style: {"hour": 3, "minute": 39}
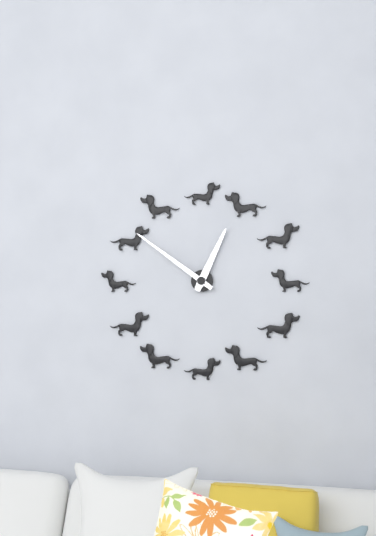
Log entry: {"hour": 12, "minute": 51}
